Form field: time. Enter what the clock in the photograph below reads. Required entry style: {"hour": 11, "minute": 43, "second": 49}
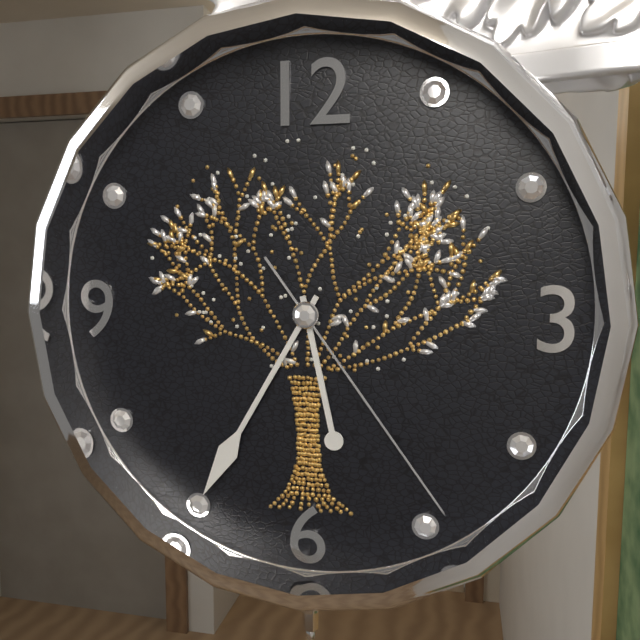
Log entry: {"hour": 5, "minute": 35, "second": 24}
